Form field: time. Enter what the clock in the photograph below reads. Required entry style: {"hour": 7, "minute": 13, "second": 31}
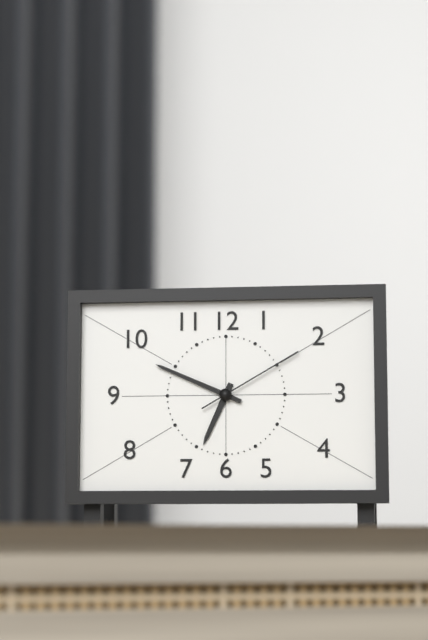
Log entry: {"hour": 6, "minute": 49, "second": 10}
